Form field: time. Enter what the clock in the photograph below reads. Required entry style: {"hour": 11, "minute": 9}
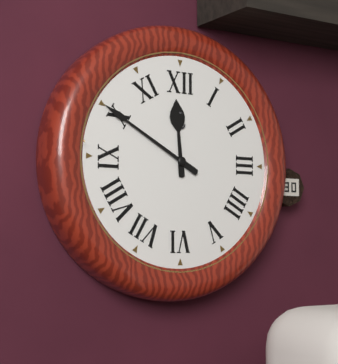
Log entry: {"hour": 11, "minute": 50}
